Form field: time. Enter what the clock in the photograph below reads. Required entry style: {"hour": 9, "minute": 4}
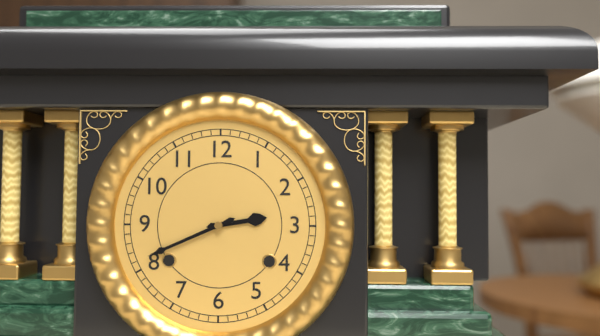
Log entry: {"hour": 2, "minute": 41}
